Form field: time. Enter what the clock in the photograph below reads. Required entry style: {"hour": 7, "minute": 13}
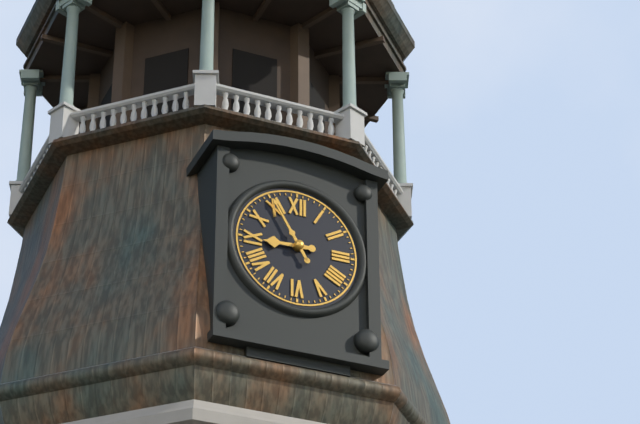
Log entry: {"hour": 8, "minute": 55}
